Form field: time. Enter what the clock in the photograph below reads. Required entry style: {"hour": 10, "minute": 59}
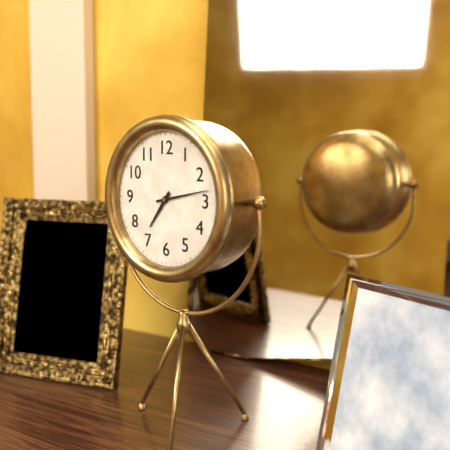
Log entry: {"hour": 7, "minute": 13}
